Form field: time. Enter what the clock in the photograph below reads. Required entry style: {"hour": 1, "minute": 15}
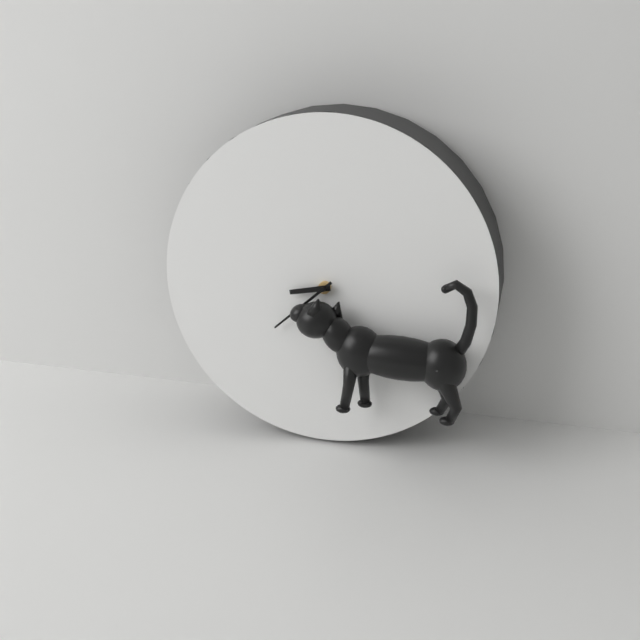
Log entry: {"hour": 8, "minute": 38}
